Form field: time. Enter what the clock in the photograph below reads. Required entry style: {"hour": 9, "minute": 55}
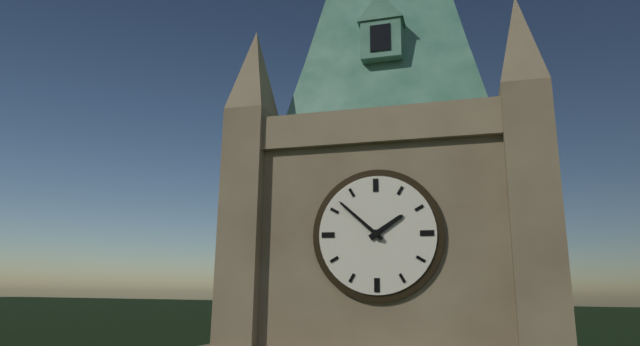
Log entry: {"hour": 1, "minute": 52}
